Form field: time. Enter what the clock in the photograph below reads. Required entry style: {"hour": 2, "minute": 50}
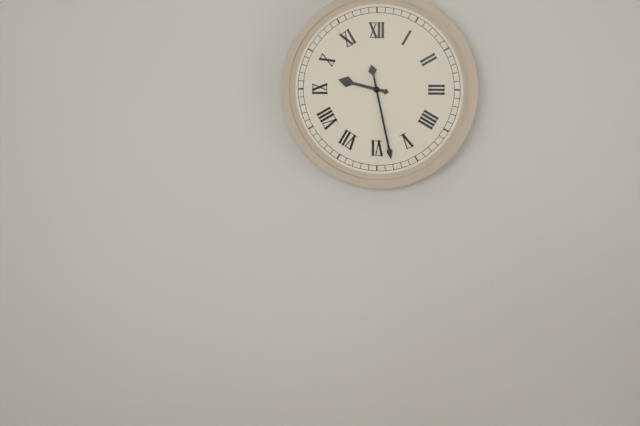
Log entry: {"hour": 9, "minute": 28}
